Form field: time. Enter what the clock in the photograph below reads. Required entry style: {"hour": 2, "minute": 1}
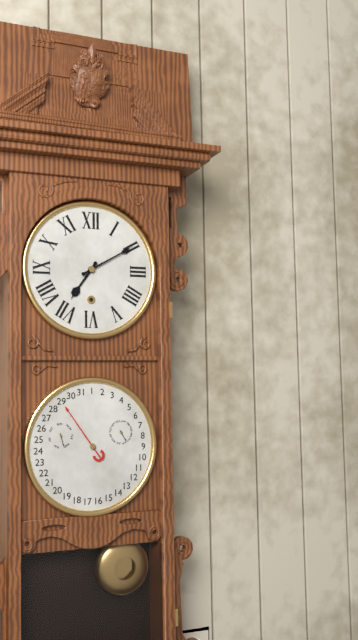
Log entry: {"hour": 7, "minute": 10}
